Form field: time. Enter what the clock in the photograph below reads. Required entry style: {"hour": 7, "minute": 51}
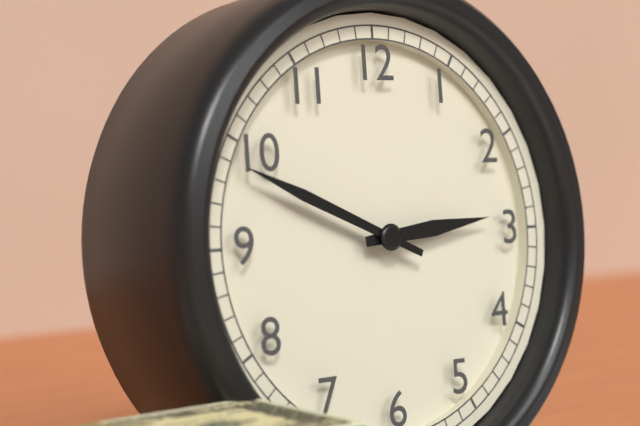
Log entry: {"hour": 2, "minute": 49}
